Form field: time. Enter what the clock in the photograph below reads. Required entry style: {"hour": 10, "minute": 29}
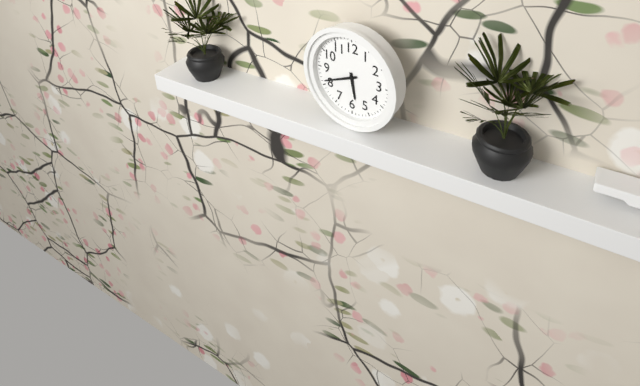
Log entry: {"hour": 5, "minute": 41}
